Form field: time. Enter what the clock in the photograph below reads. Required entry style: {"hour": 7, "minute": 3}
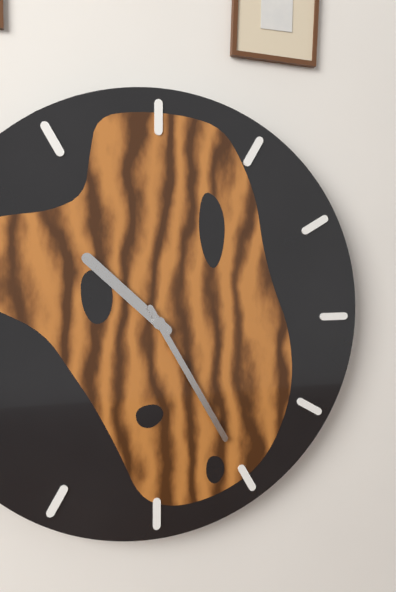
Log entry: {"hour": 10, "minute": 25}
